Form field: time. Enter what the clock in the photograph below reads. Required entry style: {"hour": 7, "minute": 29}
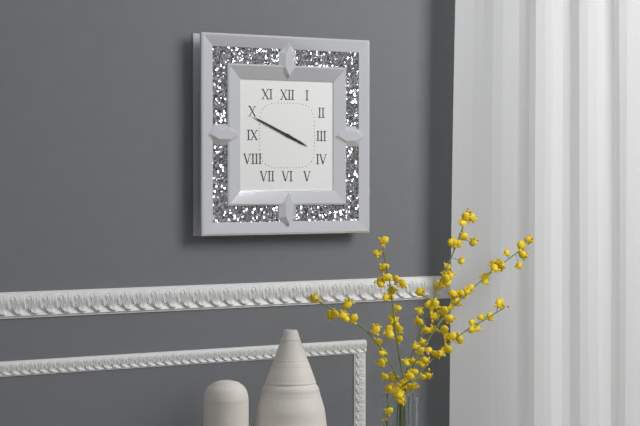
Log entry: {"hour": 3, "minute": 49}
